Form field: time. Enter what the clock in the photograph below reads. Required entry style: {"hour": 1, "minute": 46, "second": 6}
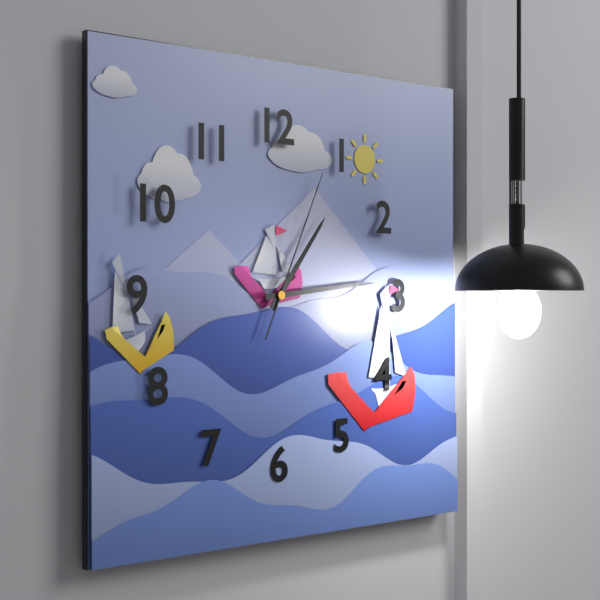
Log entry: {"hour": 1, "minute": 14, "second": 4}
